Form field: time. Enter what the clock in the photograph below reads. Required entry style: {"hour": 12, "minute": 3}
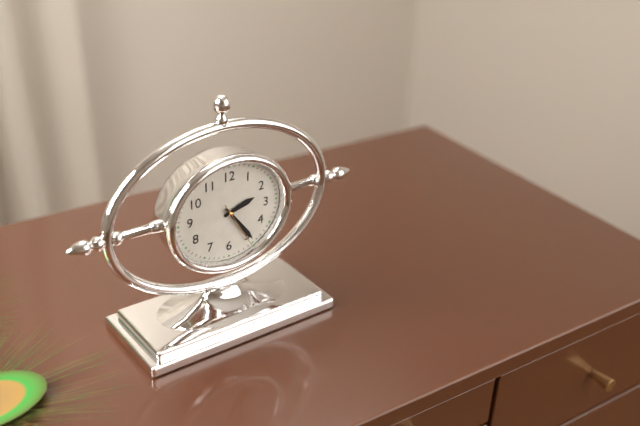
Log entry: {"hour": 2, "minute": 24}
